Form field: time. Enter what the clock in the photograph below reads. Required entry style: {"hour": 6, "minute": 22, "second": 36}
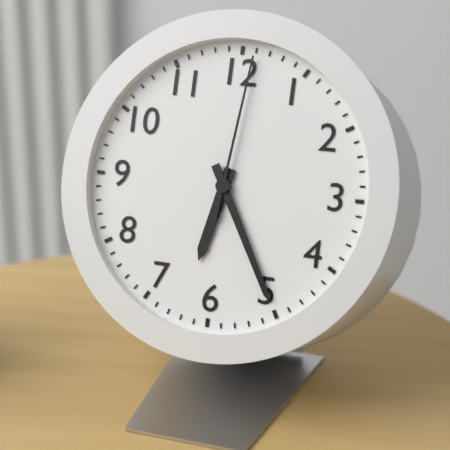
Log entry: {"hour": 6, "minute": 25, "second": 1}
